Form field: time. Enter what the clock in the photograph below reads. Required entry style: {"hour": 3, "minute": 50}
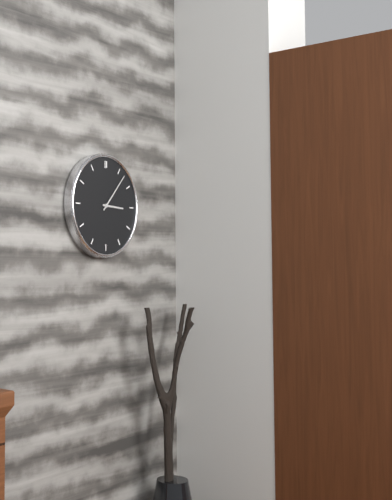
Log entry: {"hour": 3, "minute": 7}
